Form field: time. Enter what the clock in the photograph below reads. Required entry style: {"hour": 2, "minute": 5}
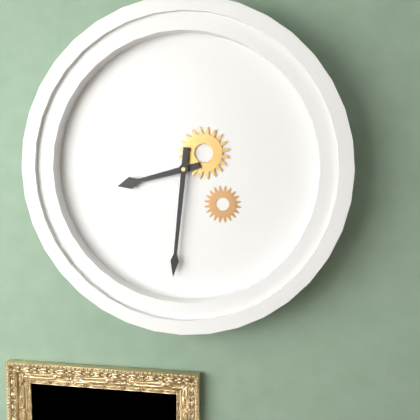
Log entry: {"hour": 8, "minute": 31}
